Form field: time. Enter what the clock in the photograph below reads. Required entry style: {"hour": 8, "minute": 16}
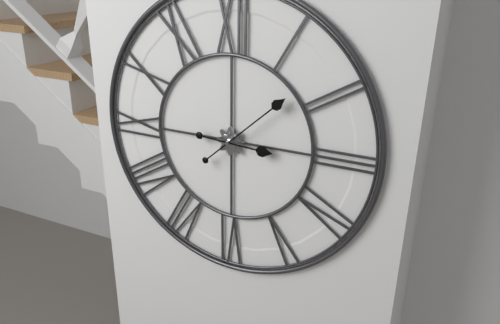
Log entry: {"hour": 3, "minute": 8}
